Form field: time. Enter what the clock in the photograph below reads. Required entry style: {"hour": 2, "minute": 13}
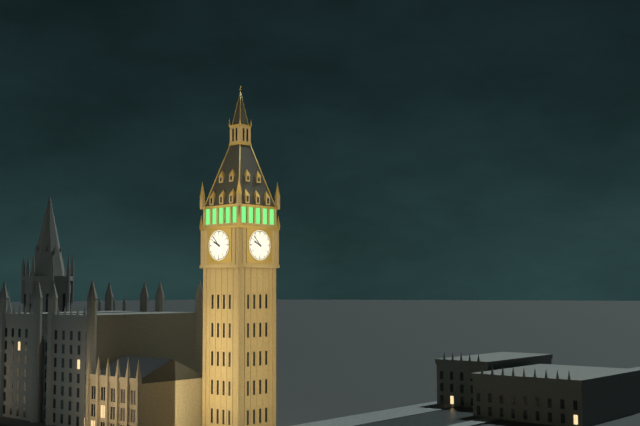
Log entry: {"hour": 9, "minute": 53}
